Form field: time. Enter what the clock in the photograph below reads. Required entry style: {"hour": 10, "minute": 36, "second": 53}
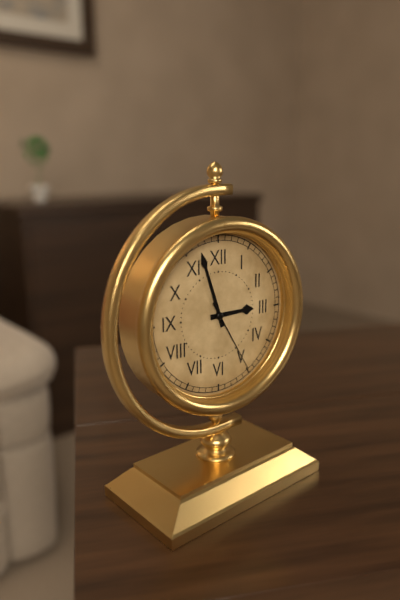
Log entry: {"hour": 2, "minute": 57, "second": 25}
